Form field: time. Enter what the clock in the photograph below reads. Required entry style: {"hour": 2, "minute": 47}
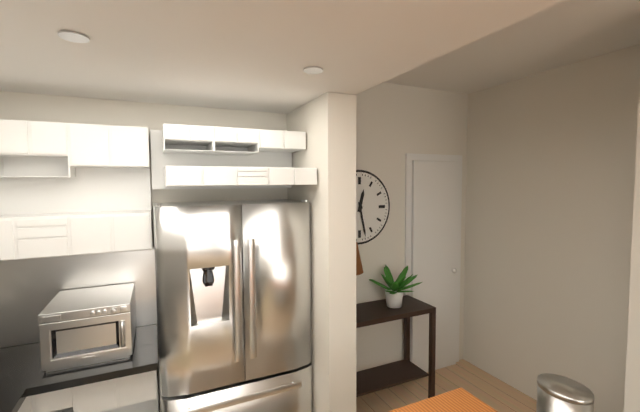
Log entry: {"hour": 12, "minute": 28}
